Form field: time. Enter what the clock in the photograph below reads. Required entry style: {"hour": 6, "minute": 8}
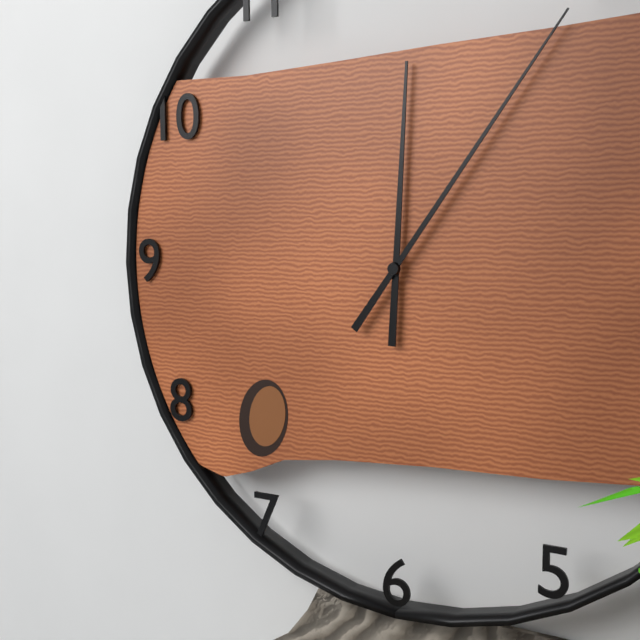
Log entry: {"hour": 12, "minute": 6}
